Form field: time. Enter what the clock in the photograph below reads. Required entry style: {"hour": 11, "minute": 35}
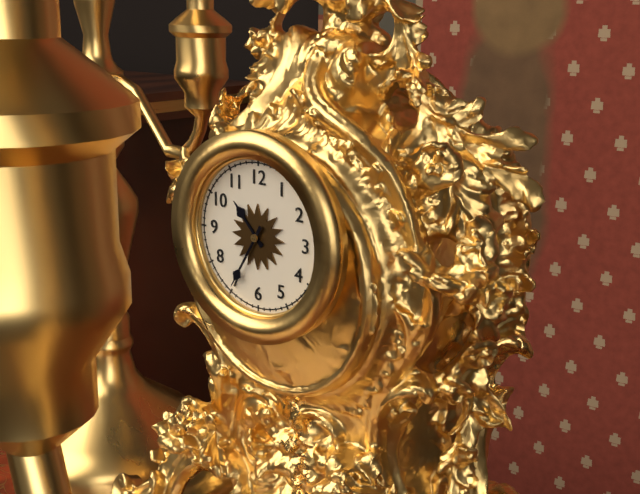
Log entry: {"hour": 10, "minute": 35}
